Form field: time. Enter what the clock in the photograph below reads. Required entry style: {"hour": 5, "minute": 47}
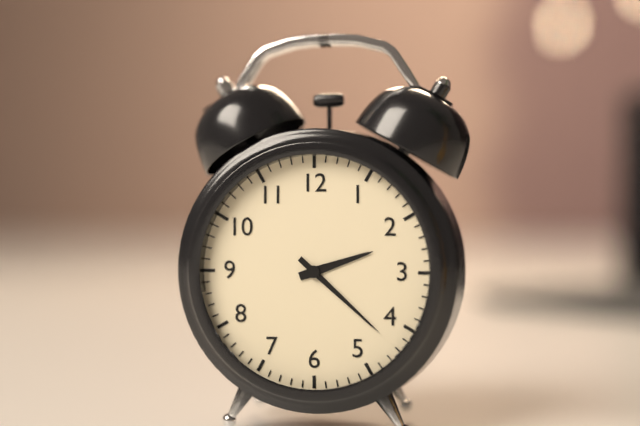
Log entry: {"hour": 2, "minute": 22}
